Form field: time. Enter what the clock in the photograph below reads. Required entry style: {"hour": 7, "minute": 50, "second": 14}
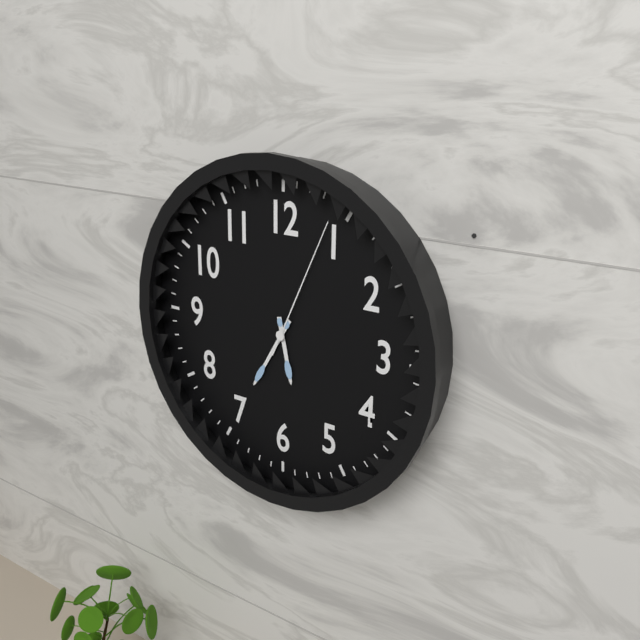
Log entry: {"hour": 5, "minute": 35, "second": 4}
